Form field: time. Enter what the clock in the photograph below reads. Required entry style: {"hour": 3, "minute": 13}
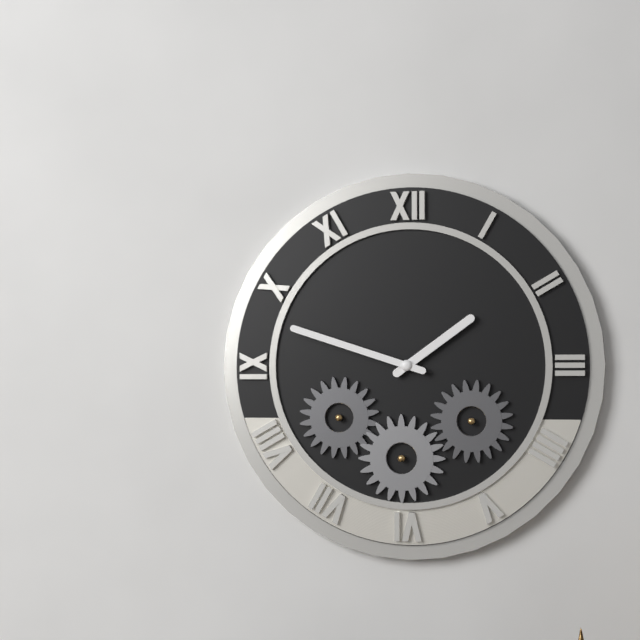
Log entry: {"hour": 1, "minute": 48}
